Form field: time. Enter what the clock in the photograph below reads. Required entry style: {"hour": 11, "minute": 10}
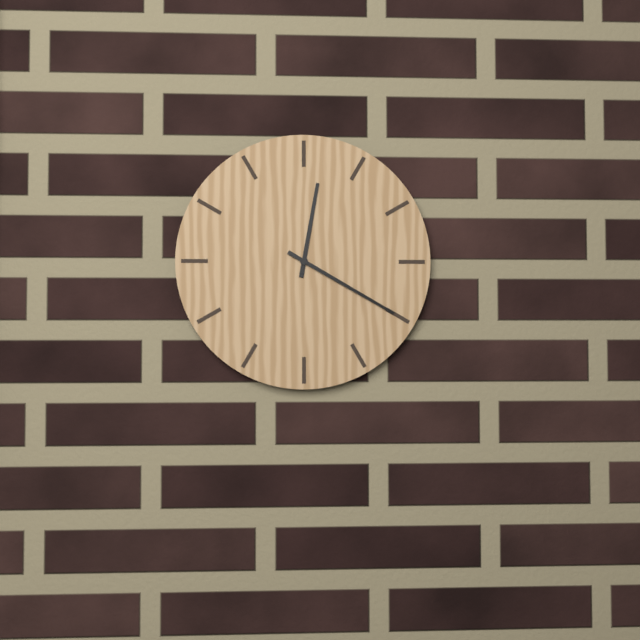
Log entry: {"hour": 12, "minute": 20}
